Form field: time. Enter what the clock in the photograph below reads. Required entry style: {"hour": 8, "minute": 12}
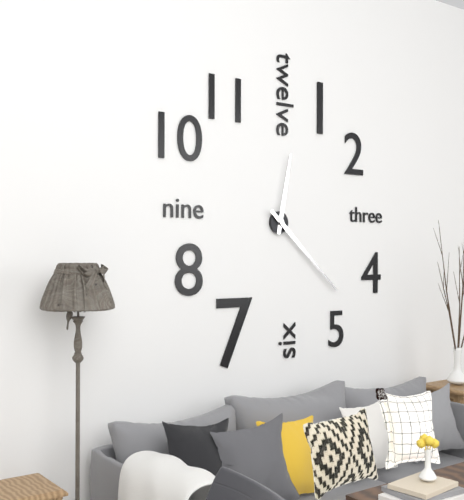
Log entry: {"hour": 12, "minute": 22}
